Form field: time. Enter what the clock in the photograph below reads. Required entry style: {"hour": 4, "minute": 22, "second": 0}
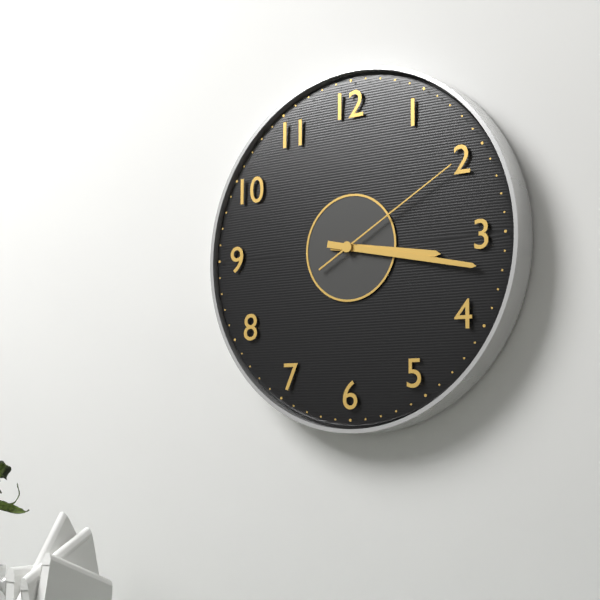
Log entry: {"hour": 3, "minute": 17, "second": 10}
